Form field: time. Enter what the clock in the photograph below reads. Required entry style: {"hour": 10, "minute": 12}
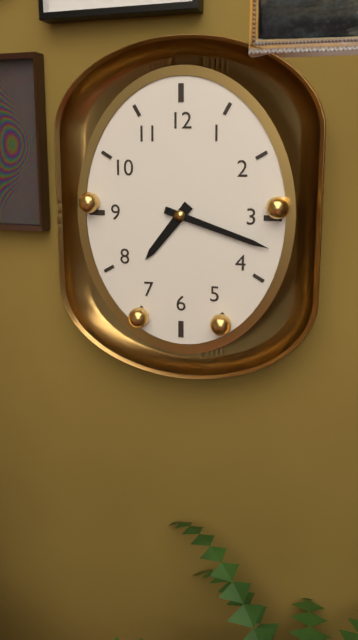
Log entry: {"hour": 7, "minute": 18}
